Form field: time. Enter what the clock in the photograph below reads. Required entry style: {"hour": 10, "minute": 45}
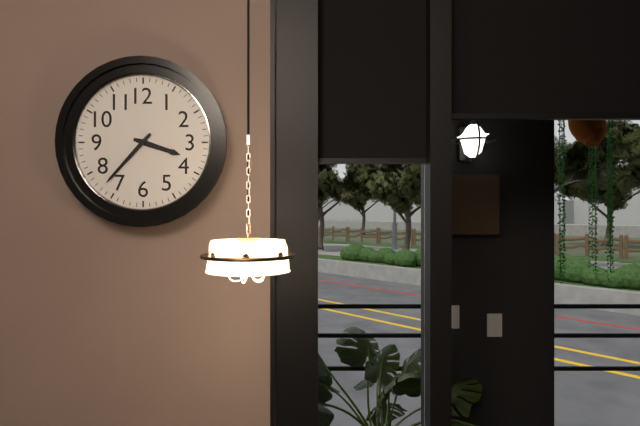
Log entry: {"hour": 3, "minute": 37}
